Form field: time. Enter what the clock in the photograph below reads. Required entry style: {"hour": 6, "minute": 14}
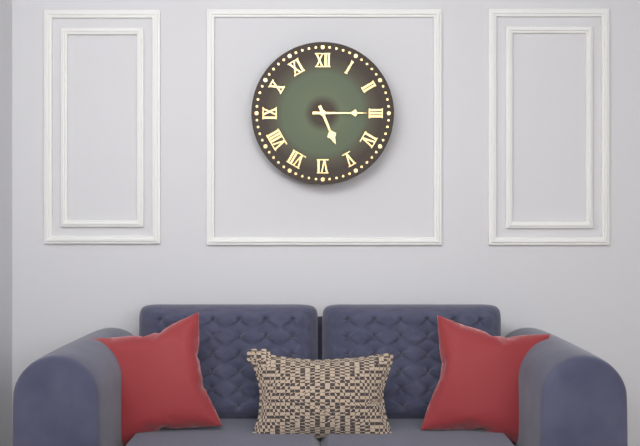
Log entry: {"hour": 5, "minute": 15}
